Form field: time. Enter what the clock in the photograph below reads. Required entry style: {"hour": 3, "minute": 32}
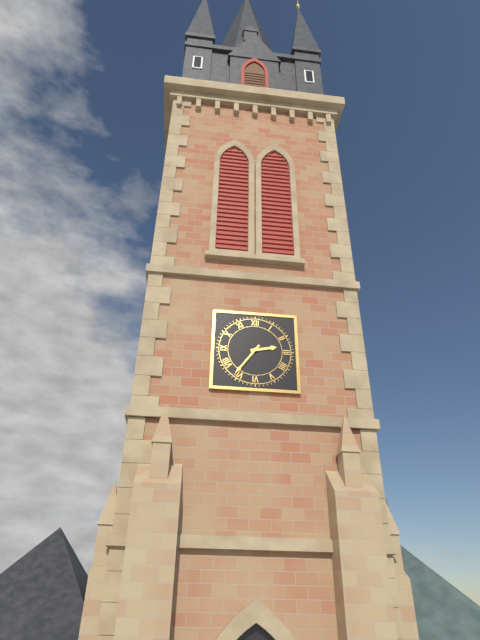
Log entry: {"hour": 2, "minute": 36}
